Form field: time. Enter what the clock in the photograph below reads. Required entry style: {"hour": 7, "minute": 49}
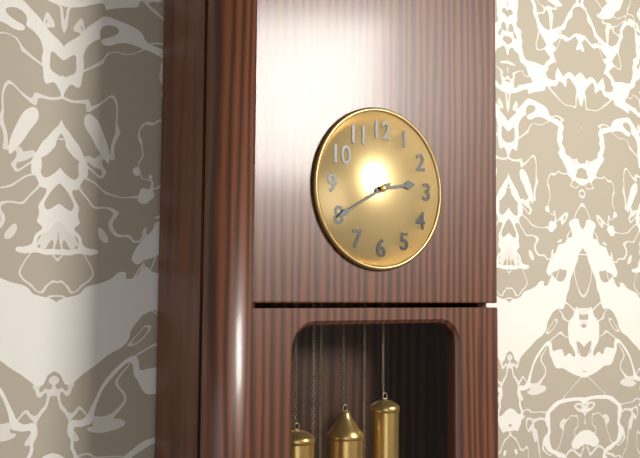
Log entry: {"hour": 2, "minute": 40}
